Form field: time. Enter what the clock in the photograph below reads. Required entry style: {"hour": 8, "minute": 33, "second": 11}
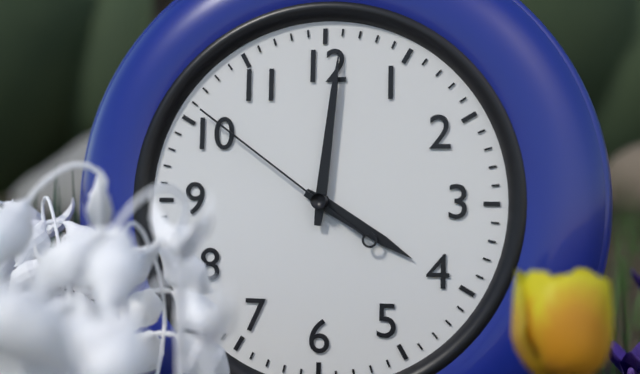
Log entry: {"hour": 4, "minute": 1, "second": 51}
